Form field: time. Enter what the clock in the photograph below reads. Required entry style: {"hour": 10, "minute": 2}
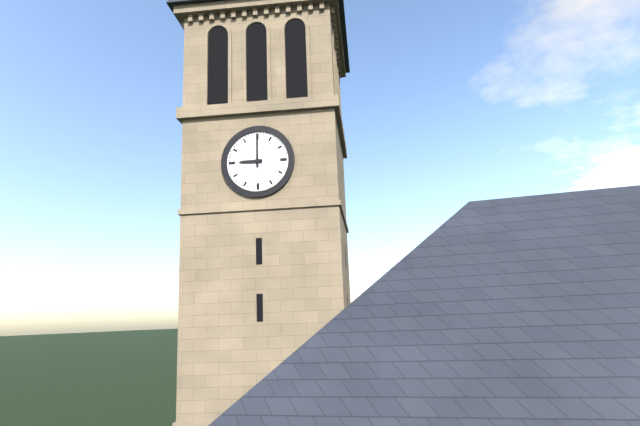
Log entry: {"hour": 9, "minute": 0}
